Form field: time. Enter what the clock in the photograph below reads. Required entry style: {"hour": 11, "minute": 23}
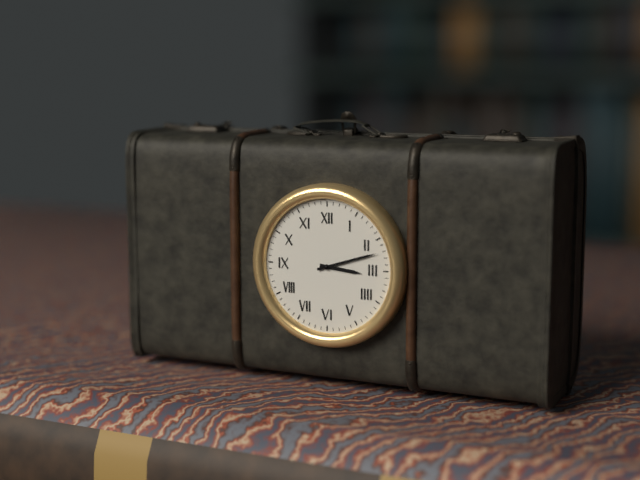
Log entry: {"hour": 3, "minute": 12}
